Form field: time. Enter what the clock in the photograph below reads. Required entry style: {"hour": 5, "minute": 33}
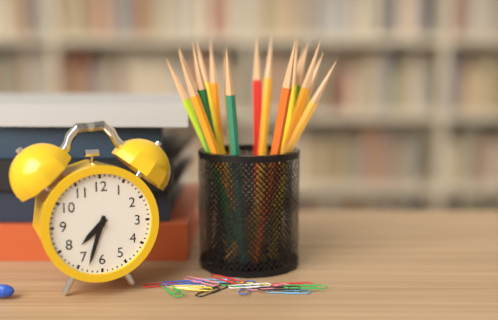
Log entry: {"hour": 7, "minute": 33}
